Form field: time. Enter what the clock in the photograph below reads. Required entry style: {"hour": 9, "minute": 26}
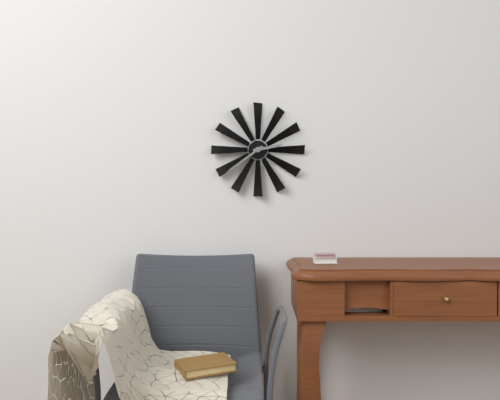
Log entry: {"hour": 2, "minute": 39}
